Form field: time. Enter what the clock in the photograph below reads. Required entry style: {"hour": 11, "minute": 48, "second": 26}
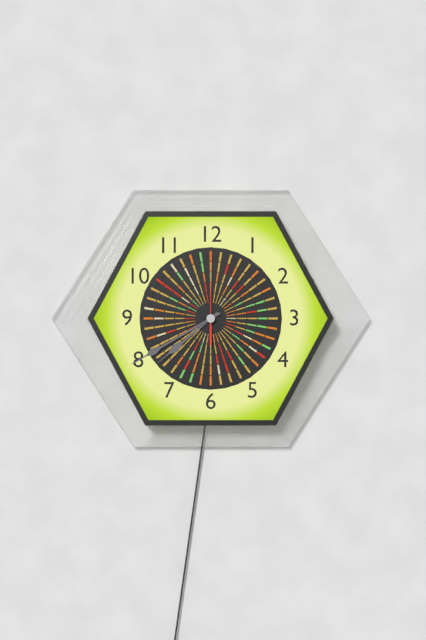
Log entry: {"hour": 7, "minute": 40, "second": 0}
